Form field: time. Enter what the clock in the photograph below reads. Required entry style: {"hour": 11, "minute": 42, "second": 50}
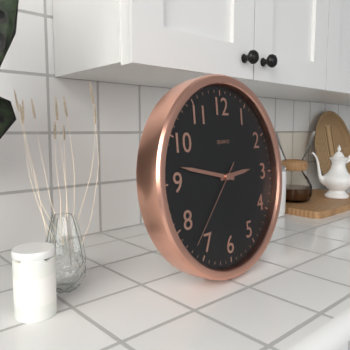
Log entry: {"hour": 2, "minute": 47, "second": 37}
